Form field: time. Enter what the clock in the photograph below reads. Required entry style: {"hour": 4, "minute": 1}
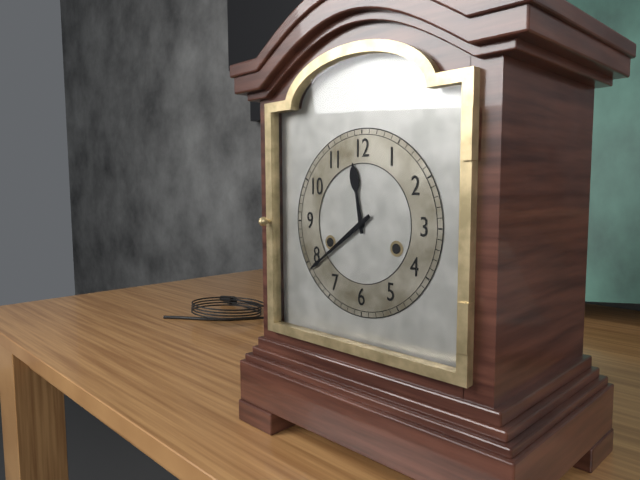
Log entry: {"hour": 11, "minute": 39}
